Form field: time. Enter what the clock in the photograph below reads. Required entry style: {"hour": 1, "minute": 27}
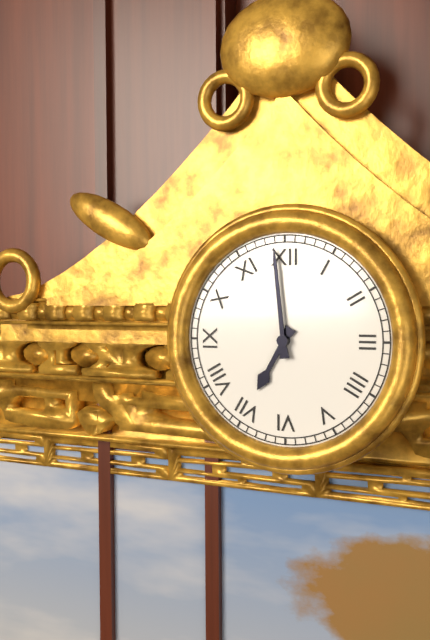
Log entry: {"hour": 6, "minute": 59}
